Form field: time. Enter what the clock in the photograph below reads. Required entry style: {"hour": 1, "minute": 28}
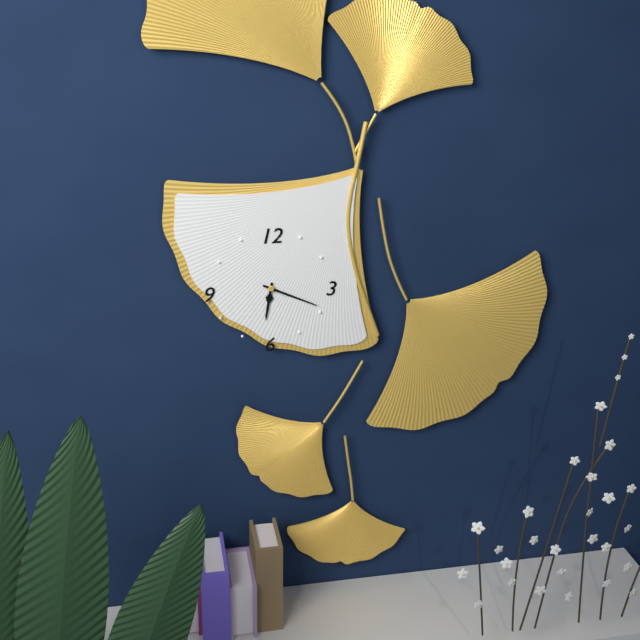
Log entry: {"hour": 6, "minute": 19}
